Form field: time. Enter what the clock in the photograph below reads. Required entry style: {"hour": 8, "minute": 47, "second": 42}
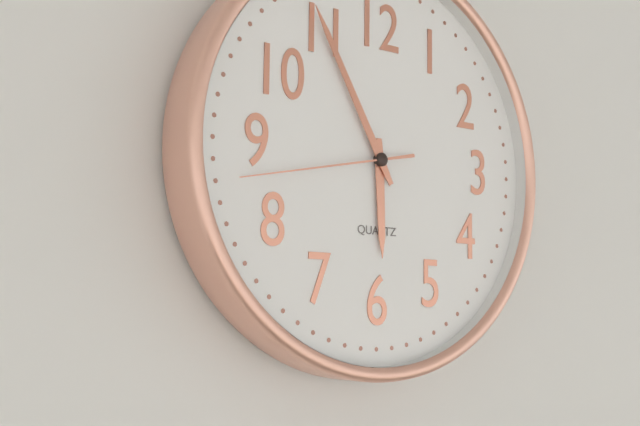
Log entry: {"hour": 5, "minute": 55, "second": 43}
